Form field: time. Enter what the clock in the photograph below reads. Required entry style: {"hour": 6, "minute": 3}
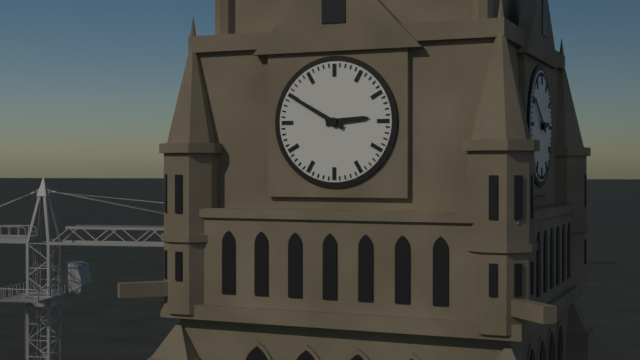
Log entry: {"hour": 2, "minute": 50}
